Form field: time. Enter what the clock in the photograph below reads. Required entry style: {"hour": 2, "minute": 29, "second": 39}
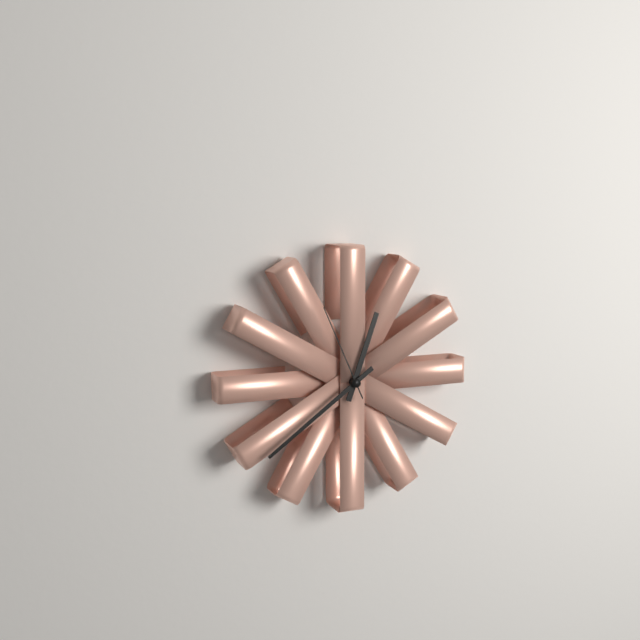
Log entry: {"hour": 12, "minute": 39, "second": 56}
